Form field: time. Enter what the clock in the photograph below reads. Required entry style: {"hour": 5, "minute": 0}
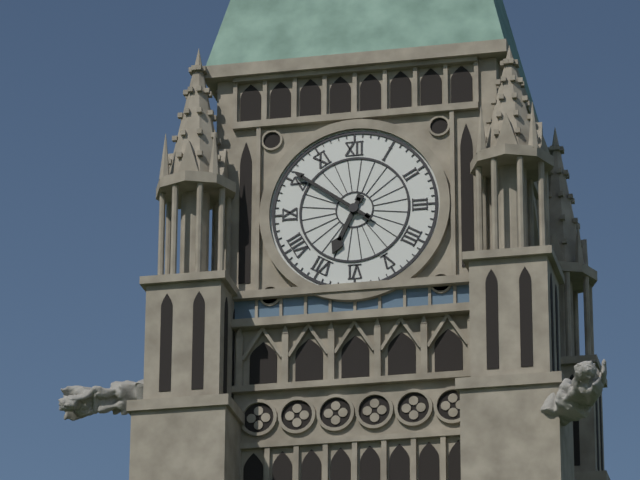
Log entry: {"hour": 6, "minute": 51}
